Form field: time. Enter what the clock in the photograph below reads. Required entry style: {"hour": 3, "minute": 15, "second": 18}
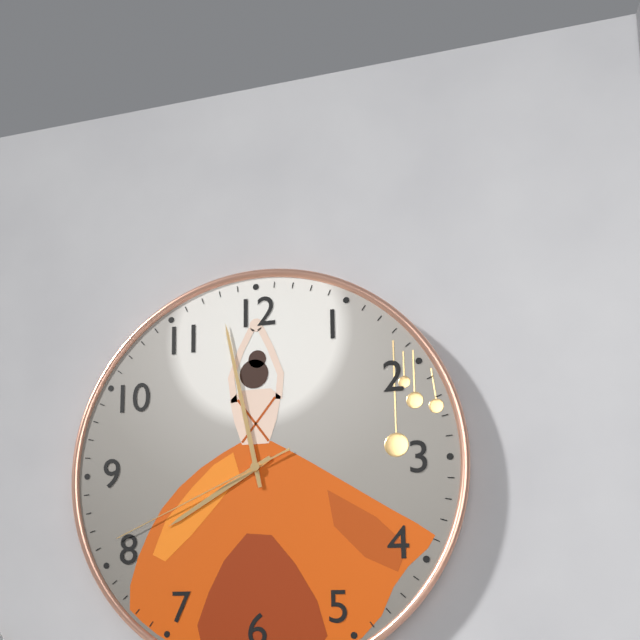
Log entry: {"hour": 7, "minute": 58, "second": 41}
